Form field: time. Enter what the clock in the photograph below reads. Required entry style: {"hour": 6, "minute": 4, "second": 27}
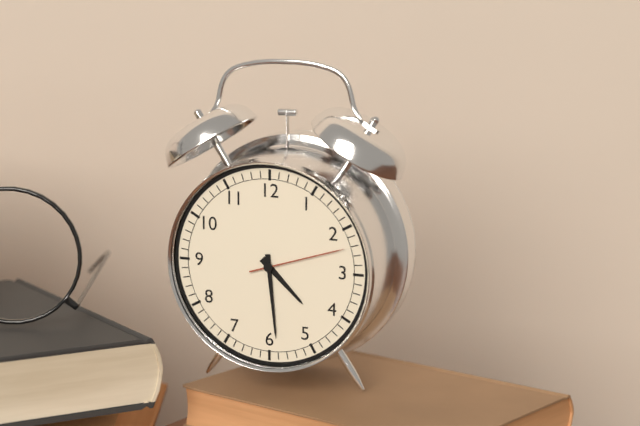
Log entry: {"hour": 4, "minute": 29, "second": 12}
